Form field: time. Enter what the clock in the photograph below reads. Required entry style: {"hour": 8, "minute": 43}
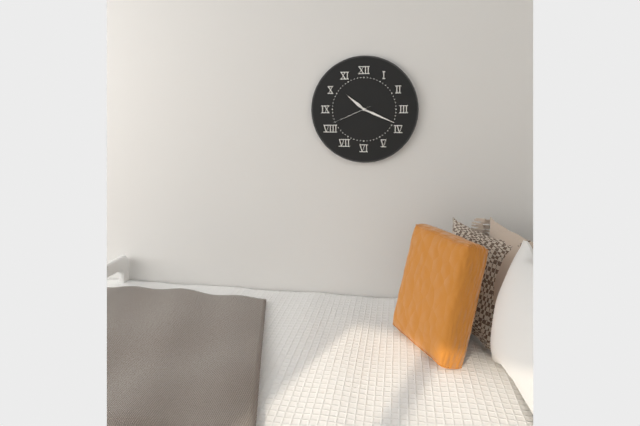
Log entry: {"hour": 10, "minute": 19}
